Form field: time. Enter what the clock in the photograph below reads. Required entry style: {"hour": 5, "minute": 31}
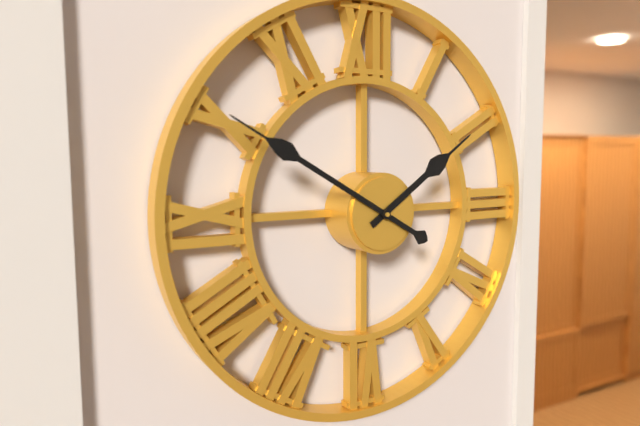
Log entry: {"hour": 1, "minute": 50}
